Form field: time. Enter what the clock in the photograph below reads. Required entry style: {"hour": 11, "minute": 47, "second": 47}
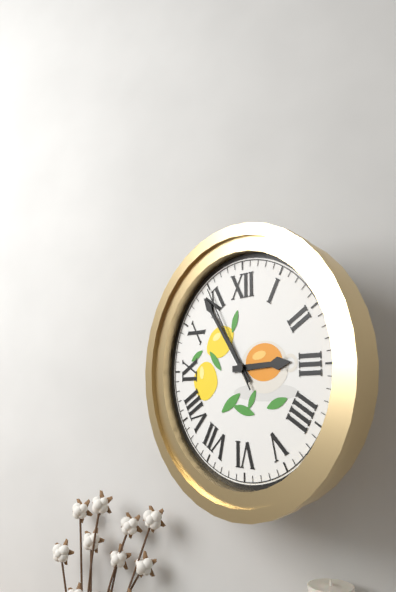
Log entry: {"hour": 2, "minute": 54, "second": 55}
